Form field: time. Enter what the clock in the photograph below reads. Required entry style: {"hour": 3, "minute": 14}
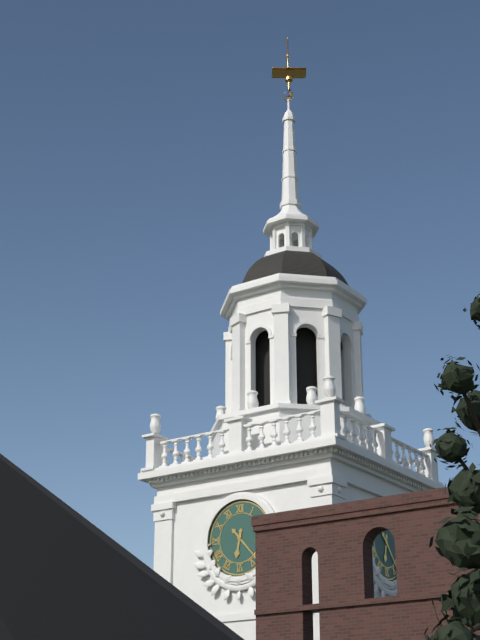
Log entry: {"hour": 6, "minute": 23}
